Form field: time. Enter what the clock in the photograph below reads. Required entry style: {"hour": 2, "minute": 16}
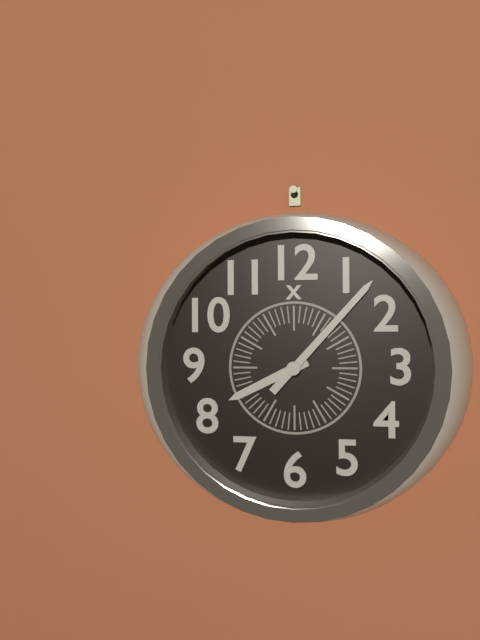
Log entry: {"hour": 8, "minute": 7}
